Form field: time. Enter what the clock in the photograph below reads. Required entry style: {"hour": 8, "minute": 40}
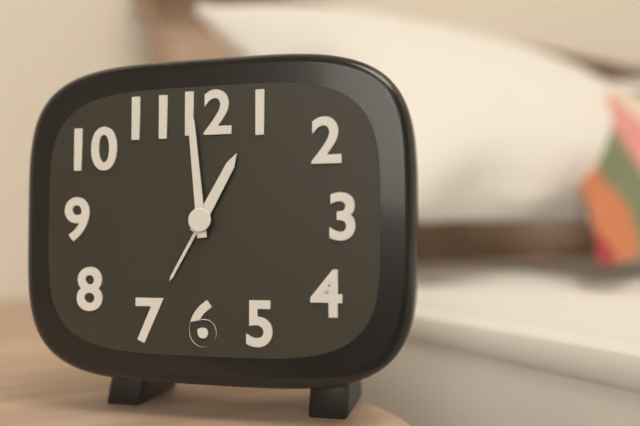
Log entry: {"hour": 12, "minute": 59}
